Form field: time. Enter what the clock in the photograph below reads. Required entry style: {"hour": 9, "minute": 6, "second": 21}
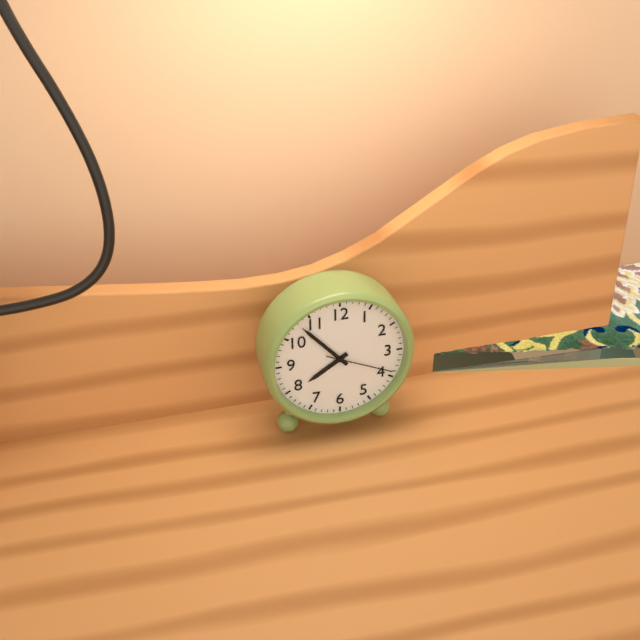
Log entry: {"hour": 7, "minute": 53, "second": 19}
